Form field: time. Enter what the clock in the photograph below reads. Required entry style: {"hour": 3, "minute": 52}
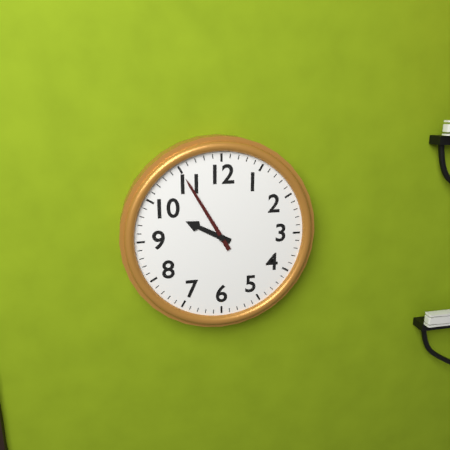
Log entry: {"hour": 9, "minute": 55}
